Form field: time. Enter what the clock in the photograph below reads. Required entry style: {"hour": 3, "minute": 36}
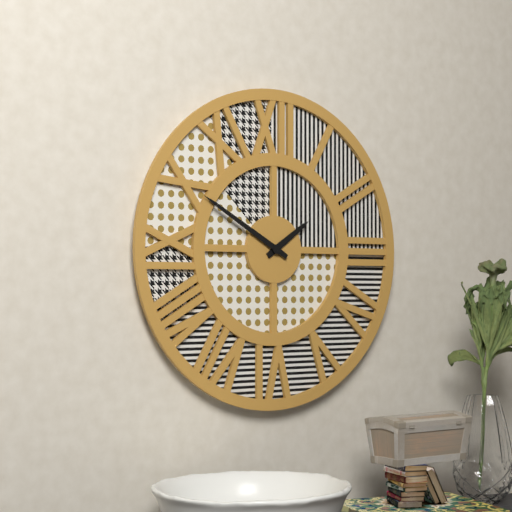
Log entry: {"hour": 1, "minute": 50}
